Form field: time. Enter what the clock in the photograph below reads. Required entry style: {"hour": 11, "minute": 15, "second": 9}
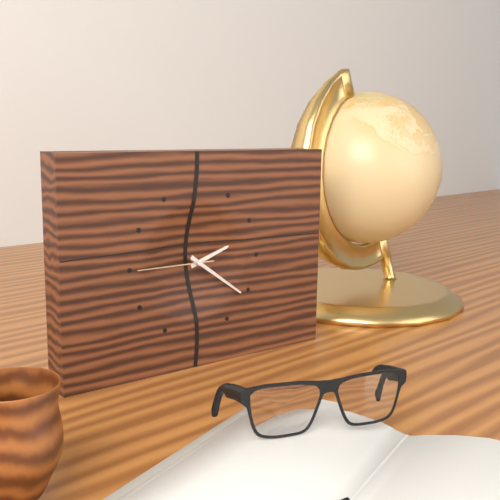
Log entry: {"hour": 2, "minute": 21, "second": 45}
